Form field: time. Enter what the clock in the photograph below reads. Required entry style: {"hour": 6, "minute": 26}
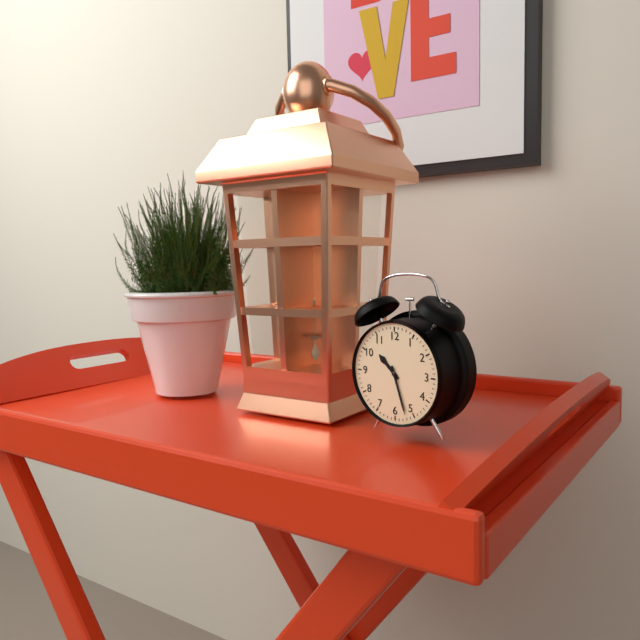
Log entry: {"hour": 10, "minute": 27}
